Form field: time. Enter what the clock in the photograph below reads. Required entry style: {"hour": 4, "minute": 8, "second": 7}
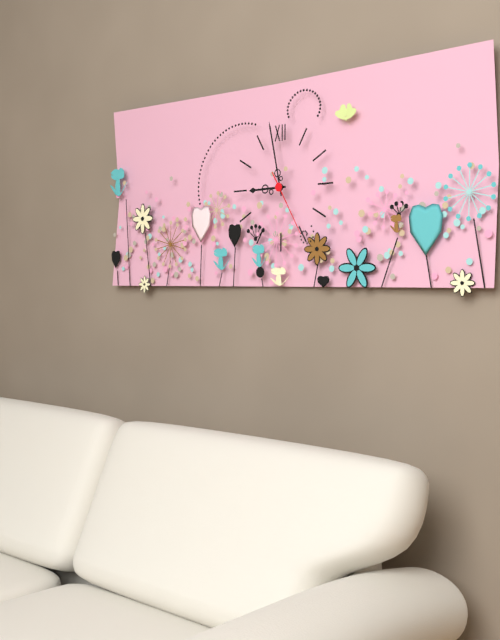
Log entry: {"hour": 8, "minute": 58, "second": 25}
